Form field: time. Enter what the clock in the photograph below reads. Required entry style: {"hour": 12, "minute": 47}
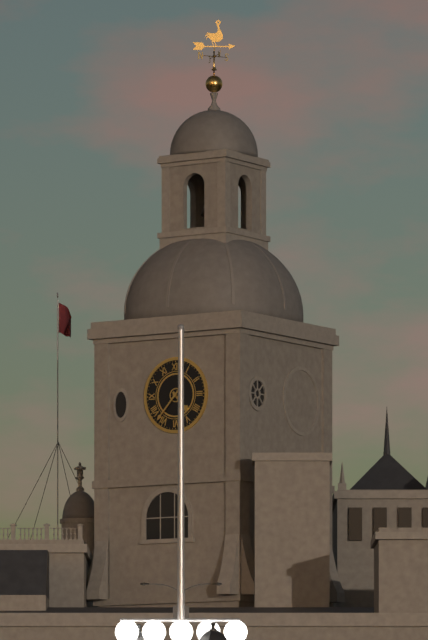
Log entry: {"hour": 4, "minute": 37}
